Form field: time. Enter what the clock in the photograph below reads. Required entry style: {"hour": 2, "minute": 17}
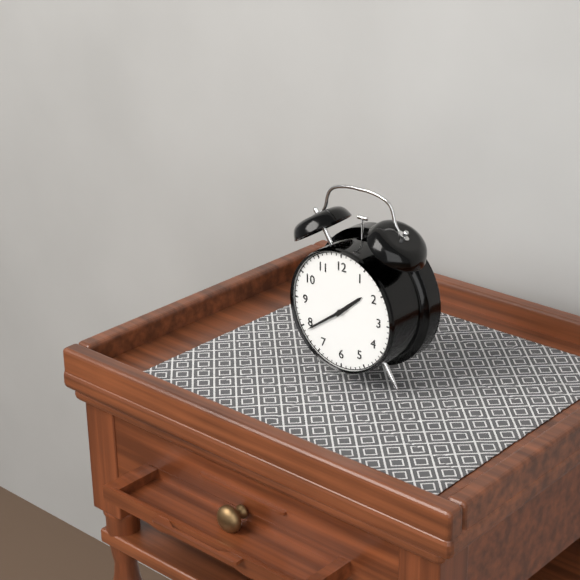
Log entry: {"hour": 1, "minute": 39}
